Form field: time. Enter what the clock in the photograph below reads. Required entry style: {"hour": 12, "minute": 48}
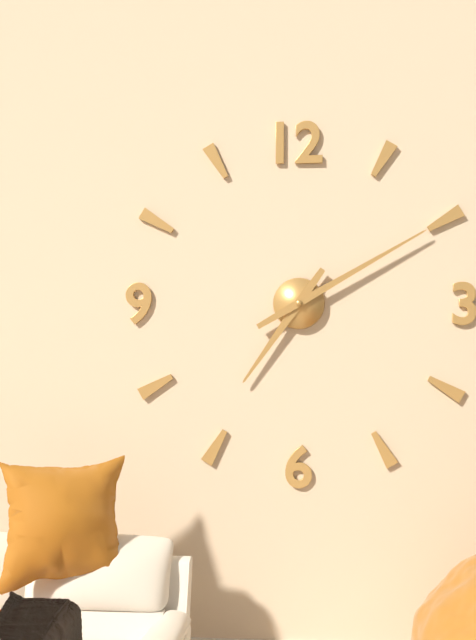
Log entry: {"hour": 7, "minute": 10}
